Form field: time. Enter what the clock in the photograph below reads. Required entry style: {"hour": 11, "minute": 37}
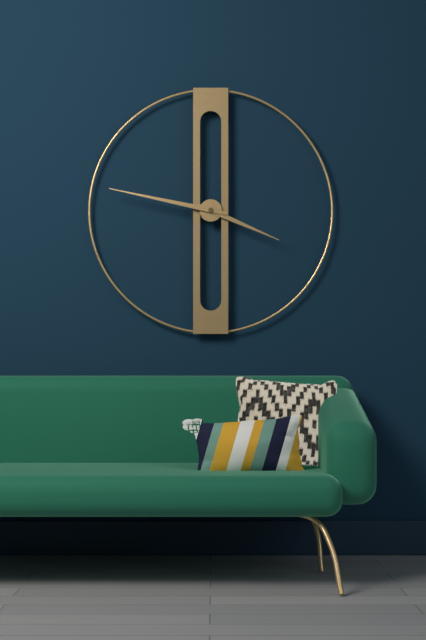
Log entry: {"hour": 3, "minute": 47}
